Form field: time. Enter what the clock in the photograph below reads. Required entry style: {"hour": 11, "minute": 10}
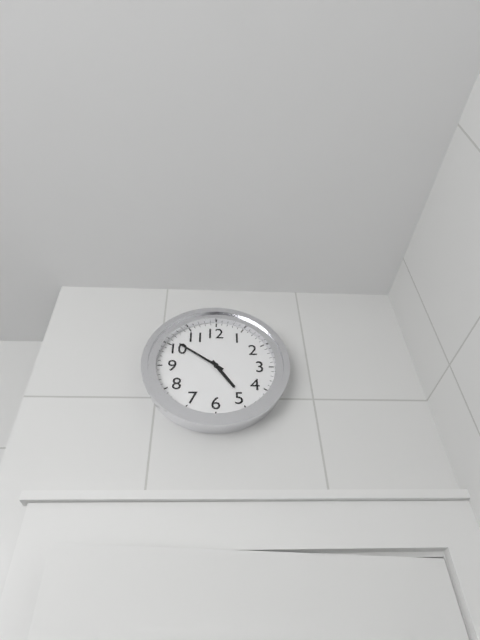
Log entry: {"hour": 4, "minute": 51}
